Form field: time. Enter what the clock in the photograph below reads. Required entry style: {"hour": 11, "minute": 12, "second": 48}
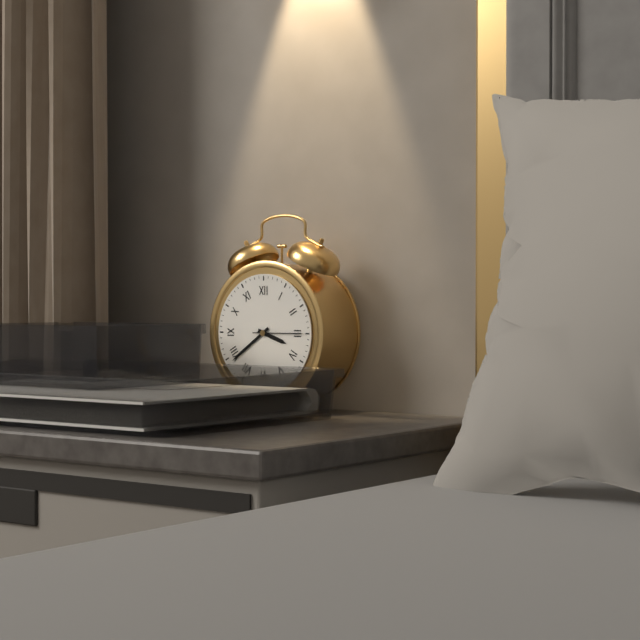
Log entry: {"hour": 3, "minute": 39, "second": 15}
